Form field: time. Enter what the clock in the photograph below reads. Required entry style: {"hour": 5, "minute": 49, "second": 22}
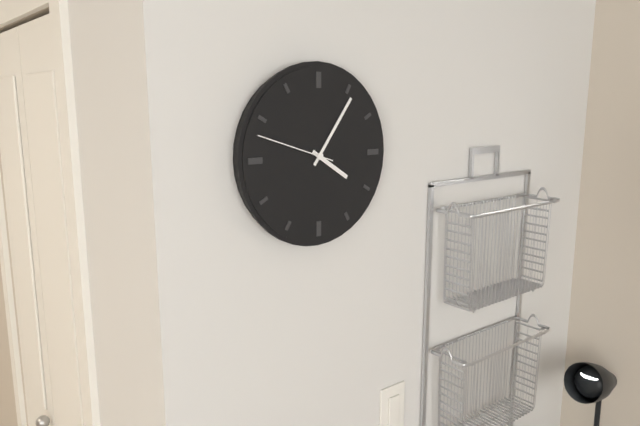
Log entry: {"hour": 4, "minute": 6, "second": 48}
